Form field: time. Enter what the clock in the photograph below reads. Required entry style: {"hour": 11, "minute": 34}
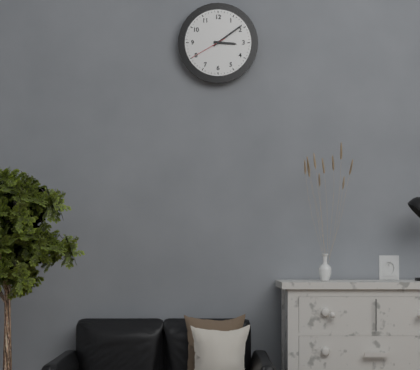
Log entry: {"hour": 3, "minute": 9}
